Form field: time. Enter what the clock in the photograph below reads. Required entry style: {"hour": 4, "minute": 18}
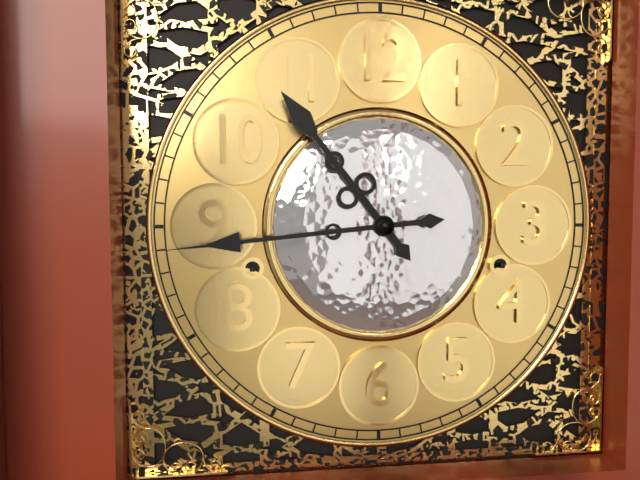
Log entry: {"hour": 10, "minute": 44}
